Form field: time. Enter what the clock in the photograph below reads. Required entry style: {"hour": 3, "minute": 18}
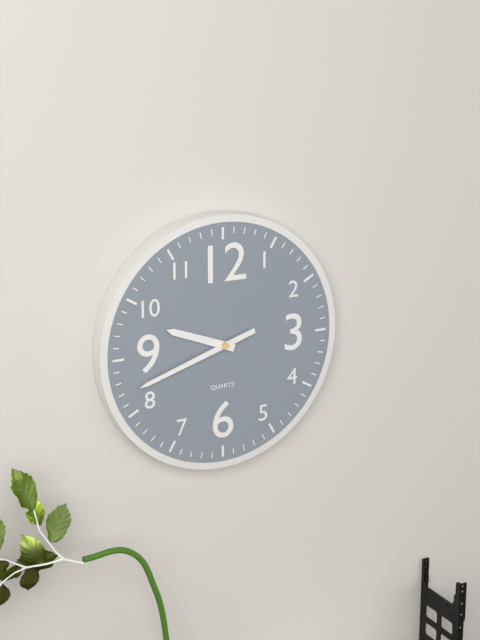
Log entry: {"hour": 9, "minute": 42}
